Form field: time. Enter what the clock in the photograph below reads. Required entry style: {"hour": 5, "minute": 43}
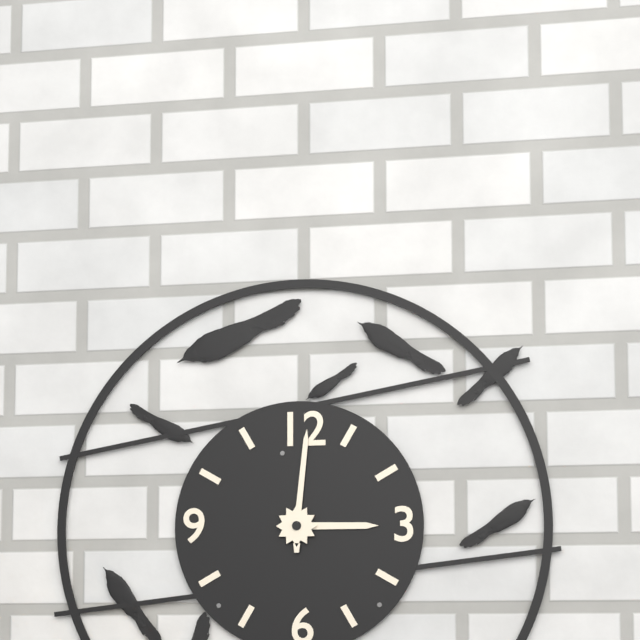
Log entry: {"hour": 3, "minute": 1}
